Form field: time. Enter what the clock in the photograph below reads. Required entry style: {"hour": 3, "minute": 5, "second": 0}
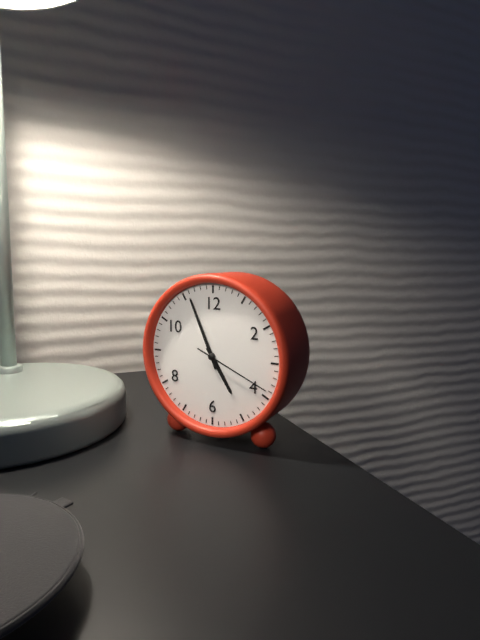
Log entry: {"hour": 4, "minute": 56, "second": 19}
